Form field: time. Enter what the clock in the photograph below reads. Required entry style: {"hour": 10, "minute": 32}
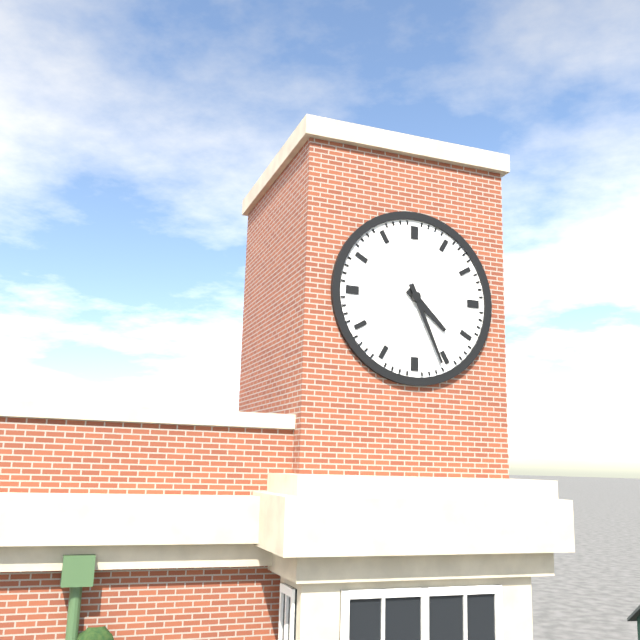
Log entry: {"hour": 4, "minute": 26}
